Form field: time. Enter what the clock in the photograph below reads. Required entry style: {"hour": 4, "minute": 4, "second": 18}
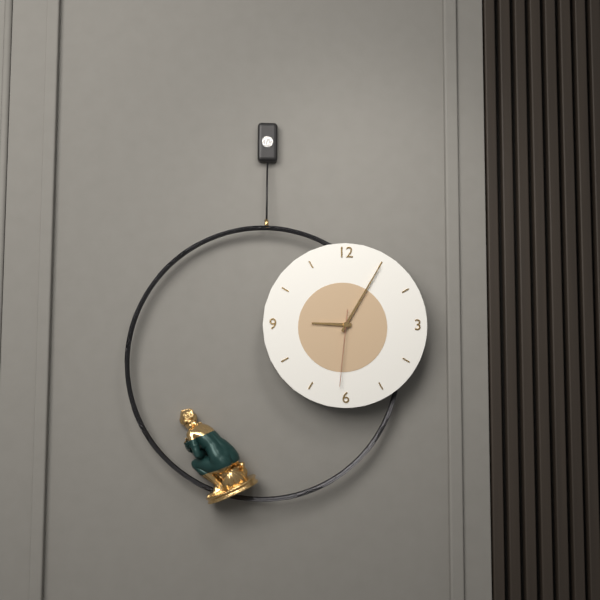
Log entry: {"hour": 9, "minute": 5, "second": 31}
